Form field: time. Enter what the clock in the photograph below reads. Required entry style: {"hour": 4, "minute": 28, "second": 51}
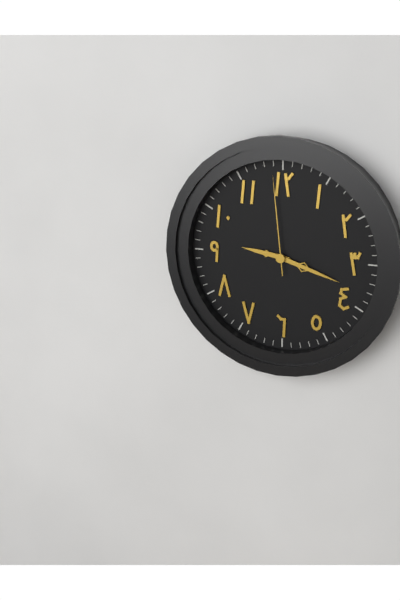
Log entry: {"hour": 9, "minute": 18, "second": 59}
